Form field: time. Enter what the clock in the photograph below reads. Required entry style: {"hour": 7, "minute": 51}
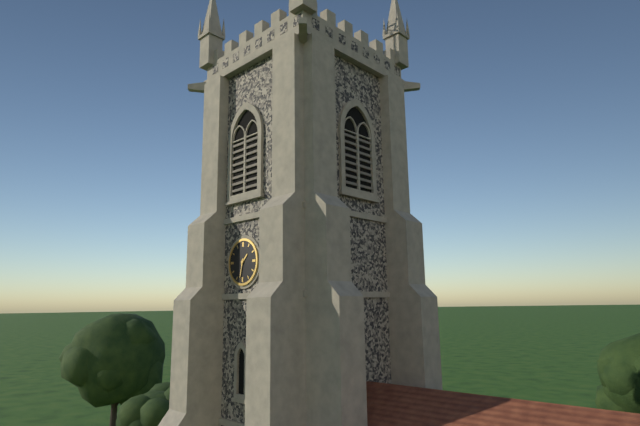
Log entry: {"hour": 1, "minute": 32}
